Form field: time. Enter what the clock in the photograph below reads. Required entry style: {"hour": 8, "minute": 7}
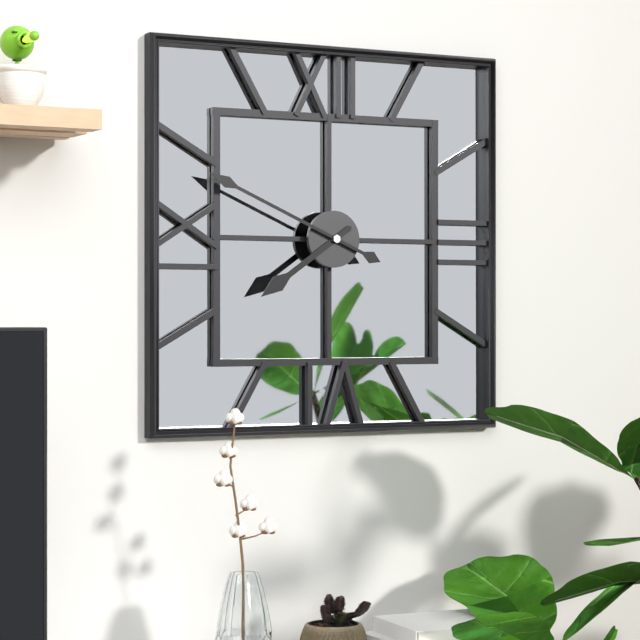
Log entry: {"hour": 7, "minute": 49}
